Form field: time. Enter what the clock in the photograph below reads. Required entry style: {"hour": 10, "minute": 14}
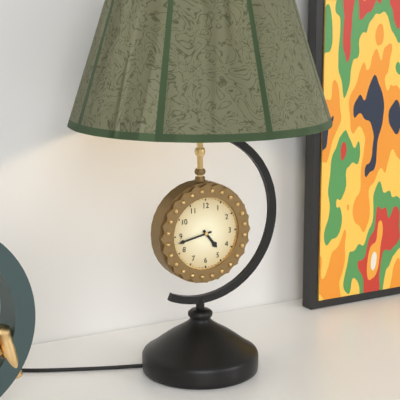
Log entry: {"hour": 4, "minute": 43}
